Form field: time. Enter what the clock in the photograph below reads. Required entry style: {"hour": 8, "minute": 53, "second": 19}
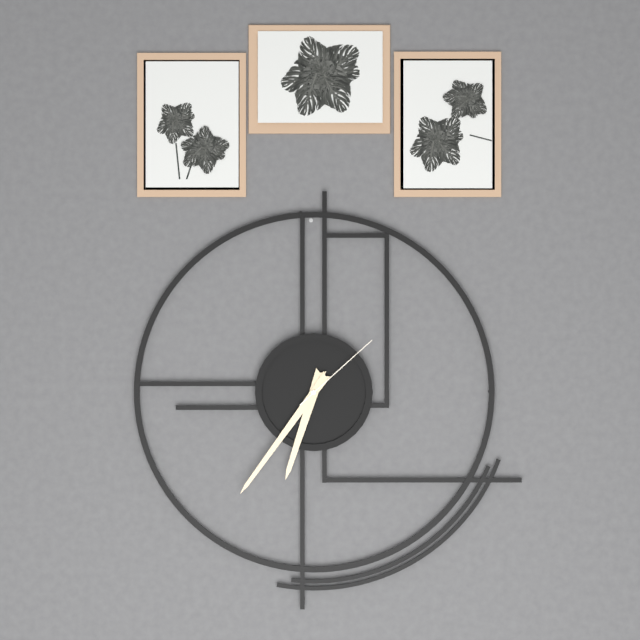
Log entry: {"hour": 6, "minute": 36, "second": 8}
